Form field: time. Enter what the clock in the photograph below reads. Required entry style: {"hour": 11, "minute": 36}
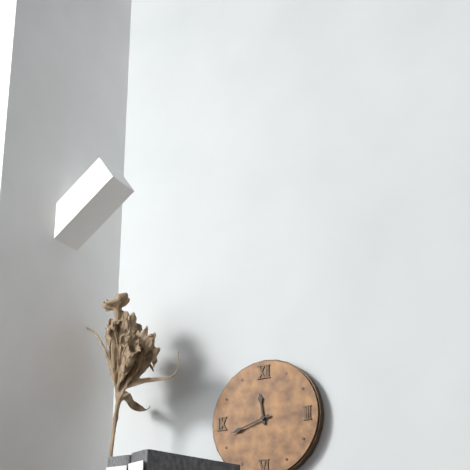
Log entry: {"hour": 11, "minute": 42}
